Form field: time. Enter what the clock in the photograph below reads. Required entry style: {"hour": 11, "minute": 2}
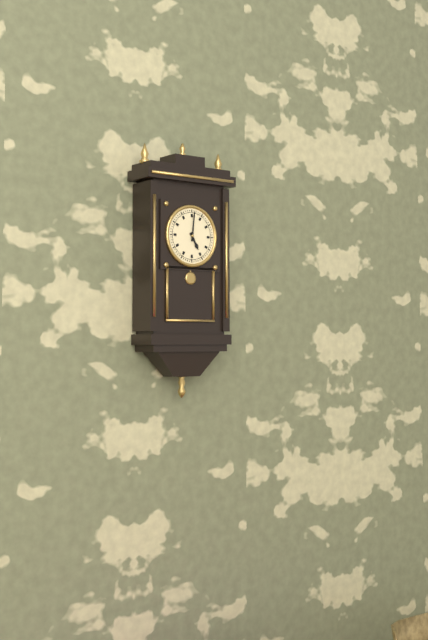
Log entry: {"hour": 5, "minute": 1}
